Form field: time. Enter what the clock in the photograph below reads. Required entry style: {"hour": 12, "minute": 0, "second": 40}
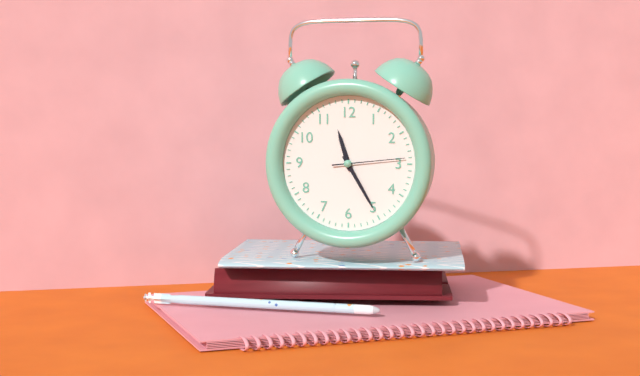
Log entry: {"hour": 11, "minute": 25, "second": 14}
